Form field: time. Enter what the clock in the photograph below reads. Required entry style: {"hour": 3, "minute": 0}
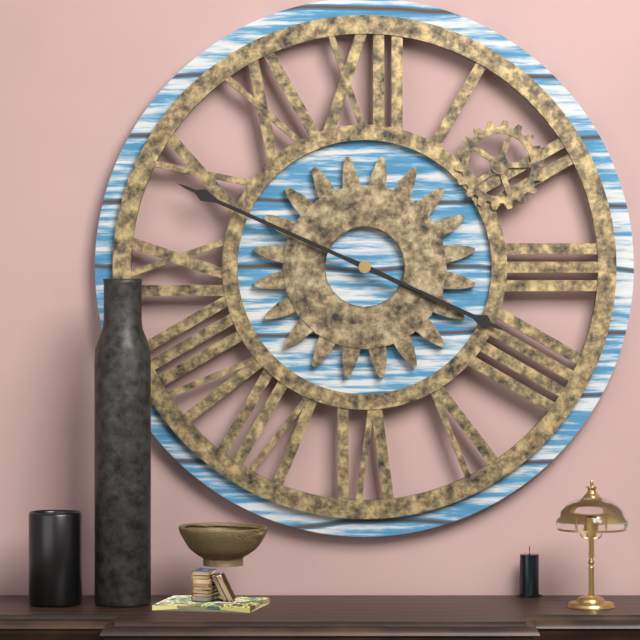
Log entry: {"hour": 3, "minute": 49}
